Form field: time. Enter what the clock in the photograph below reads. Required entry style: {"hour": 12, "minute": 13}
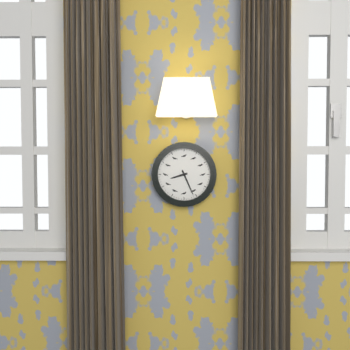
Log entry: {"hour": 8, "minute": 26}
